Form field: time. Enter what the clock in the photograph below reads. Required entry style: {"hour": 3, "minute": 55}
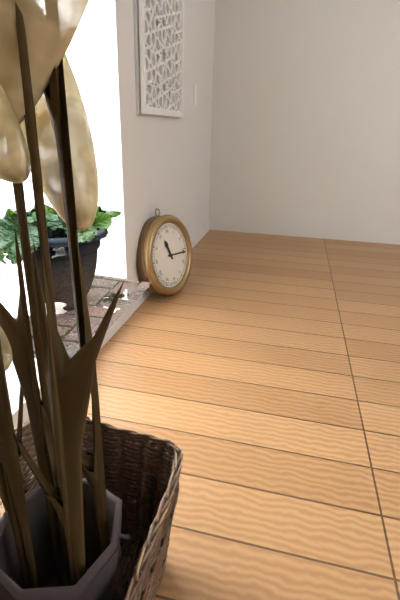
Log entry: {"hour": 11, "minute": 16}
